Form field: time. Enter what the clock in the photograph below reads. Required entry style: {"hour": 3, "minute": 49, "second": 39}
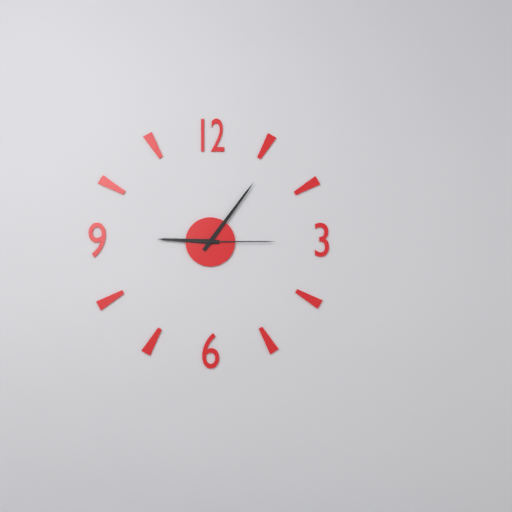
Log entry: {"hour": 9, "minute": 6, "second": 15}
